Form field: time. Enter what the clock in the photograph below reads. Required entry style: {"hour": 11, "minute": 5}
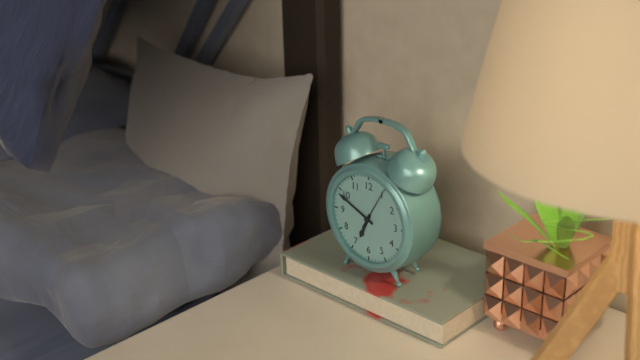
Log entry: {"hour": 6, "minute": 49}
